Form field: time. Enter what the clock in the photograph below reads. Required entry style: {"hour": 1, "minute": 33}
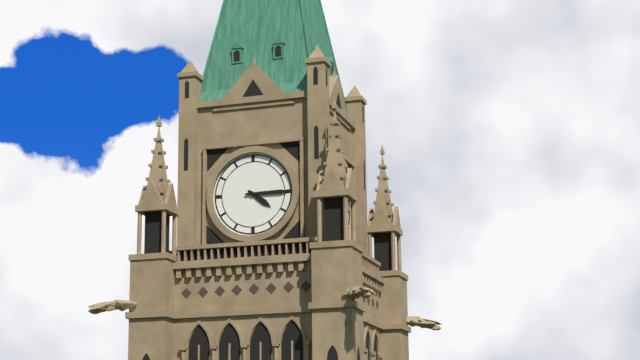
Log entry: {"hour": 4, "minute": 15}
